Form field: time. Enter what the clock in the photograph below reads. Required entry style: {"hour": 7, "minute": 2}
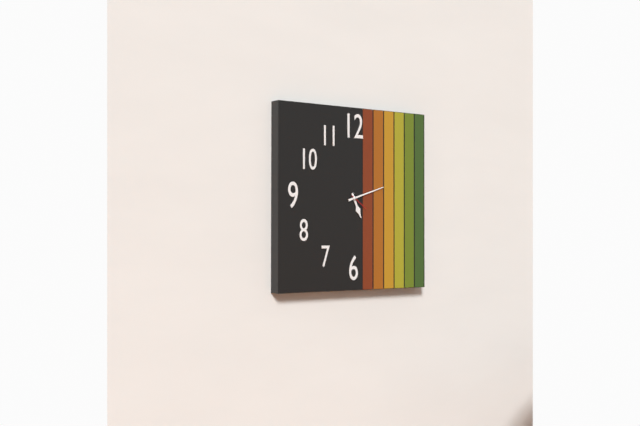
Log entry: {"hour": 5, "minute": 12}
